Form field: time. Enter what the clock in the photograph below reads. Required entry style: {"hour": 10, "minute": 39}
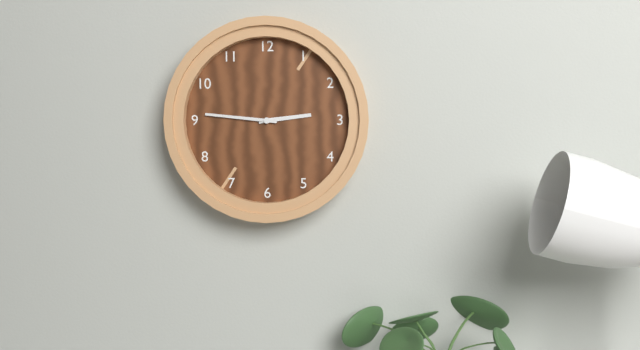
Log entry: {"hour": 2, "minute": 46}
